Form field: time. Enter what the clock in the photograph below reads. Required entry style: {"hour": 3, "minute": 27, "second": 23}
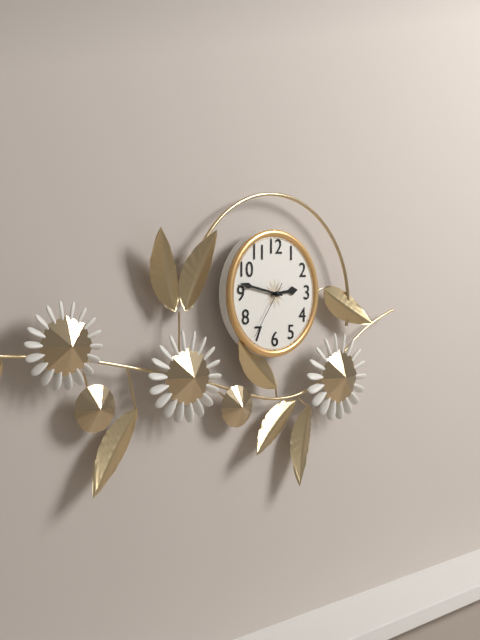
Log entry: {"hour": 2, "minute": 47, "second": 36}
